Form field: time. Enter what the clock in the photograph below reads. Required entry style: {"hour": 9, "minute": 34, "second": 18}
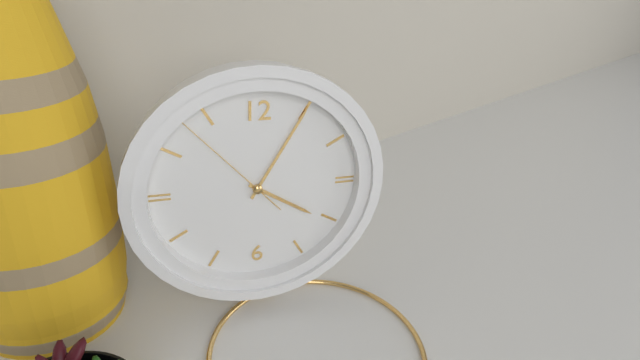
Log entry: {"hour": 4, "minute": 5, "second": 53}
